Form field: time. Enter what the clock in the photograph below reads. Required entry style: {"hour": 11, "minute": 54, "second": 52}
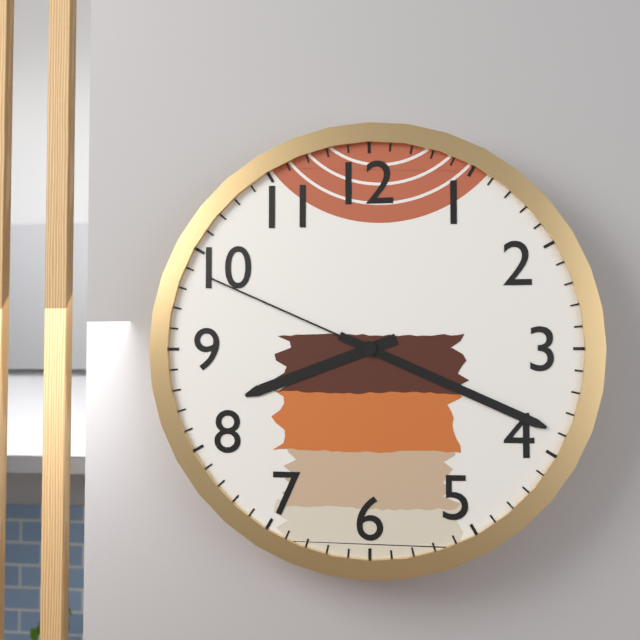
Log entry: {"hour": 8, "minute": 19, "second": 49}
